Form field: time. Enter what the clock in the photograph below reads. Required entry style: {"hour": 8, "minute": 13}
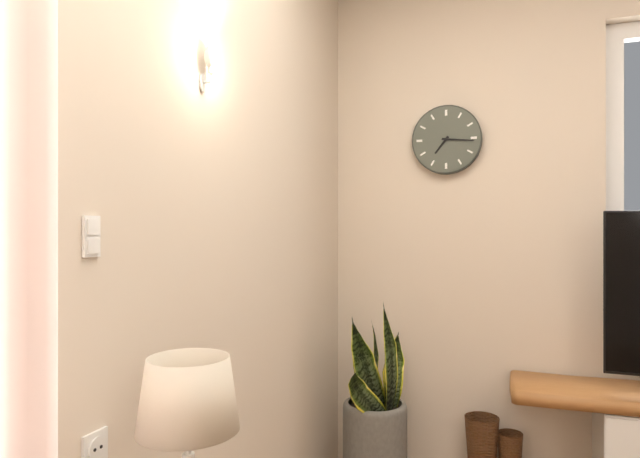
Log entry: {"hour": 7, "minute": 16}
